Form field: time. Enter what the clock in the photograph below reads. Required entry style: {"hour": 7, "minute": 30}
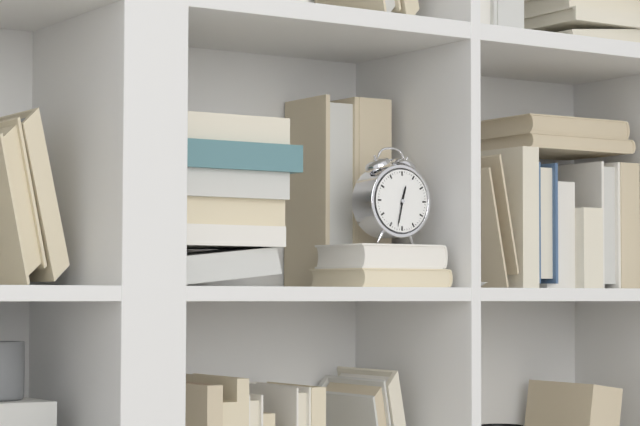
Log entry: {"hour": 12, "minute": 32}
